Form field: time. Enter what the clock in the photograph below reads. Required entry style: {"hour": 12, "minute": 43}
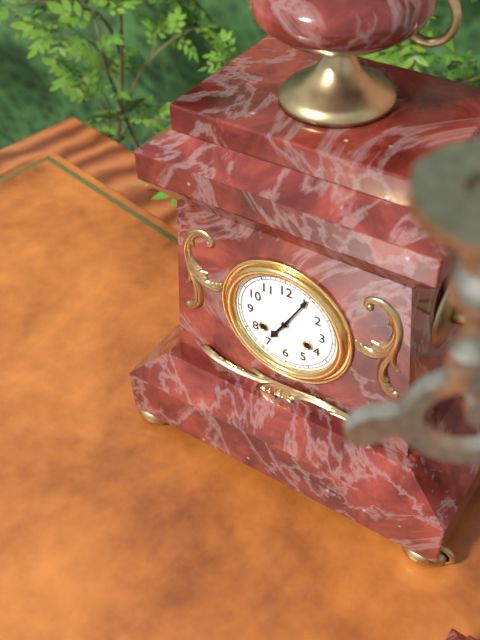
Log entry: {"hour": 7, "minute": 5}
